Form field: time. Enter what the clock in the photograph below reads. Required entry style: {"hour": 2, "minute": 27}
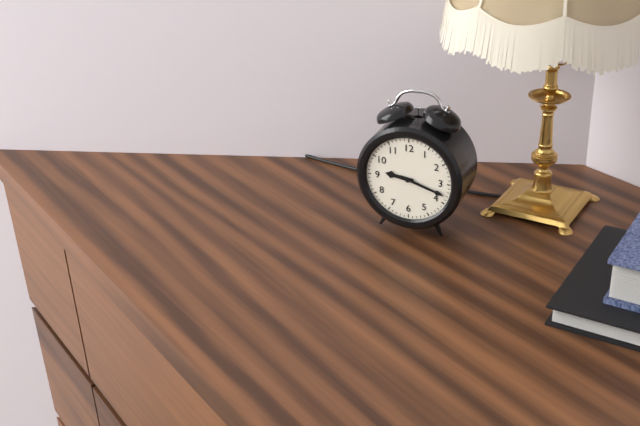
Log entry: {"hour": 9, "minute": 18}
